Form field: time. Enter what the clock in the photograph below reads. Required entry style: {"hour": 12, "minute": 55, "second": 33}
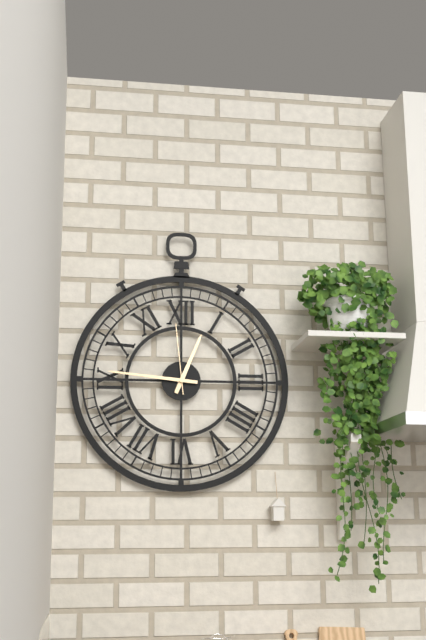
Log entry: {"hour": 12, "minute": 46, "second": 59}
